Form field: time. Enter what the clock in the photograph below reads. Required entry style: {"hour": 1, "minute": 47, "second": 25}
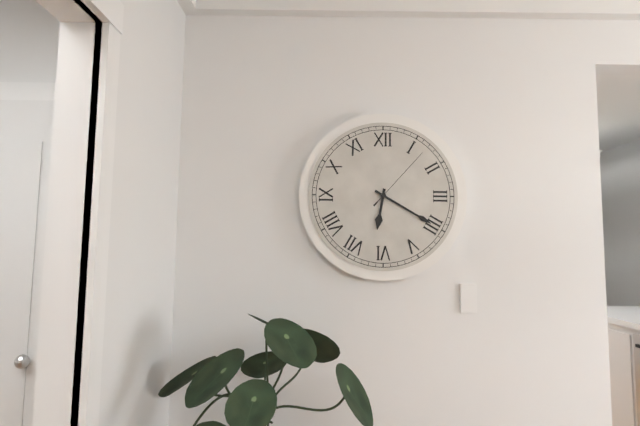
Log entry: {"hour": 6, "minute": 20, "second": 7}
